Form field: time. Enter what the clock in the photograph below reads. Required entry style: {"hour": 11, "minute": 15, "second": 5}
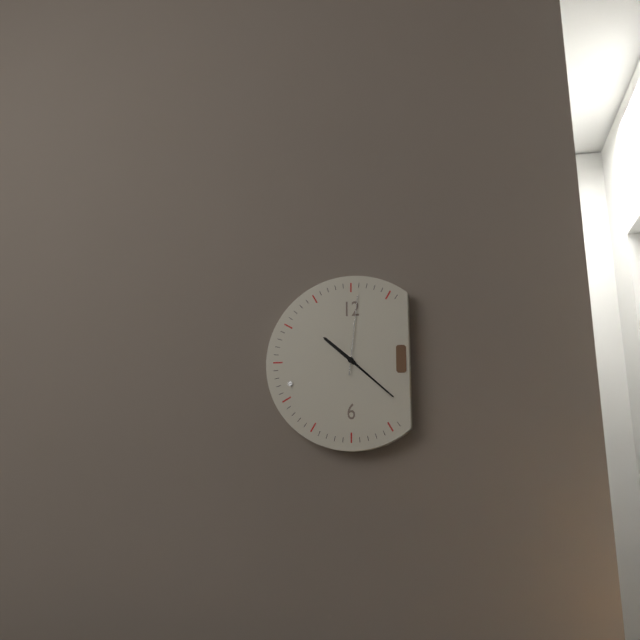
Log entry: {"hour": 10, "minute": 22, "second": 1}
